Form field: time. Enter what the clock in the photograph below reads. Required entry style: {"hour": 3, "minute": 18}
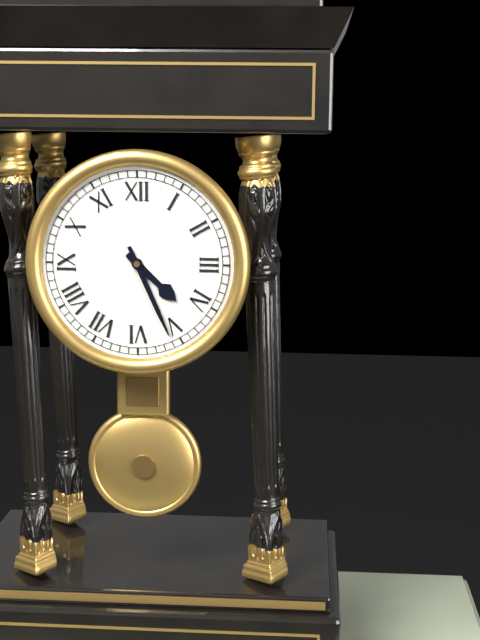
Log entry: {"hour": 4, "minute": 26}
